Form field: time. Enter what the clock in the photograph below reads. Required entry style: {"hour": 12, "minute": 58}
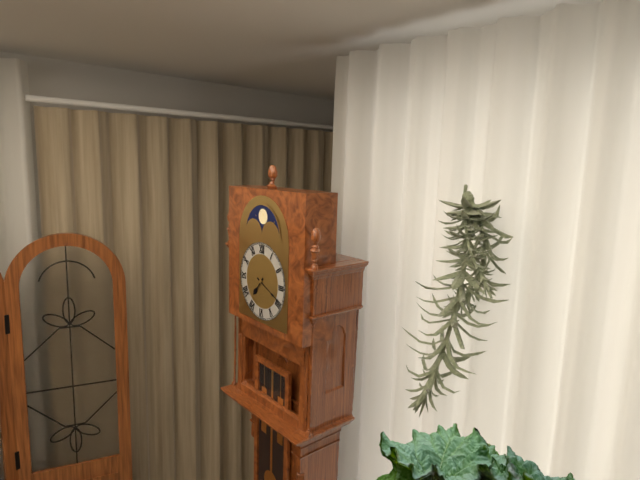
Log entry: {"hour": 7, "minute": 19}
